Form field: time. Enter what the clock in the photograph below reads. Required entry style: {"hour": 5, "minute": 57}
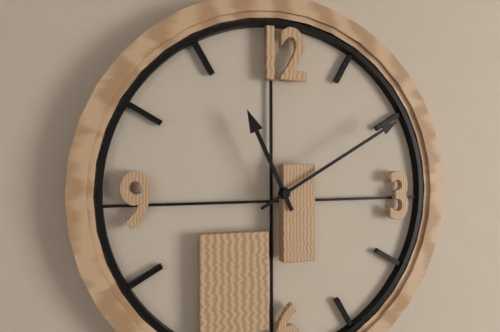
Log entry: {"hour": 11, "minute": 10}
